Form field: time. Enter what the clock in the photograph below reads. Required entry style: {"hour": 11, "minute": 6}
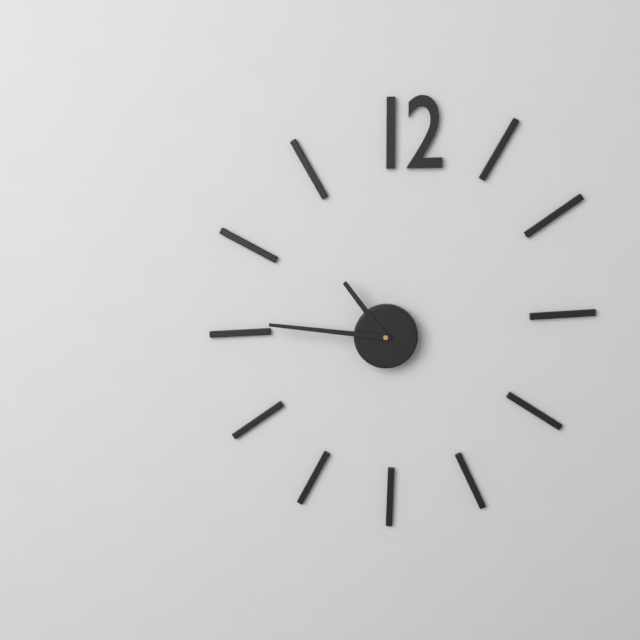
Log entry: {"hour": 10, "minute": 46}
